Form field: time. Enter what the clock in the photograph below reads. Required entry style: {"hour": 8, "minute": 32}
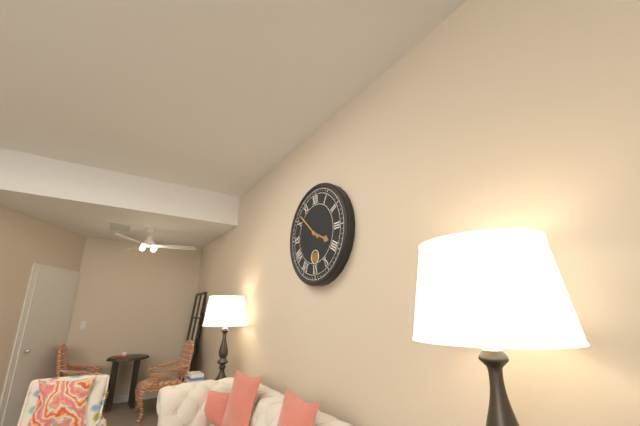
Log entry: {"hour": 3, "minute": 52}
